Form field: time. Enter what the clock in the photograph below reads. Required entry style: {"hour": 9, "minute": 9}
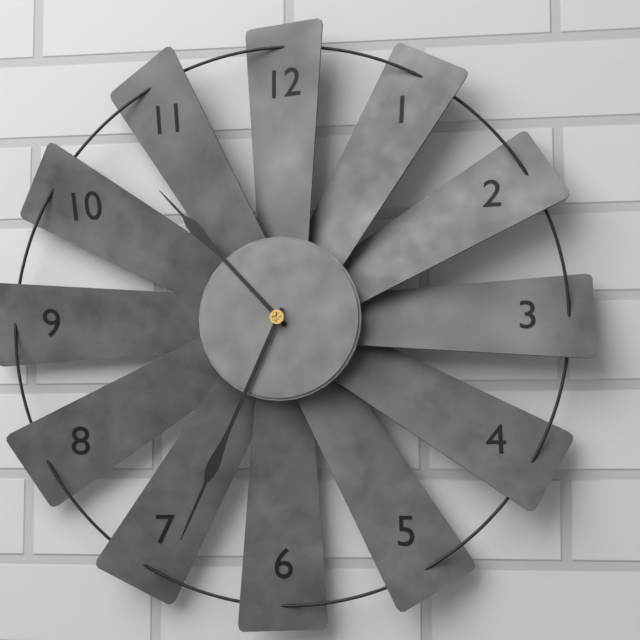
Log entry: {"hour": 10, "minute": 34}
